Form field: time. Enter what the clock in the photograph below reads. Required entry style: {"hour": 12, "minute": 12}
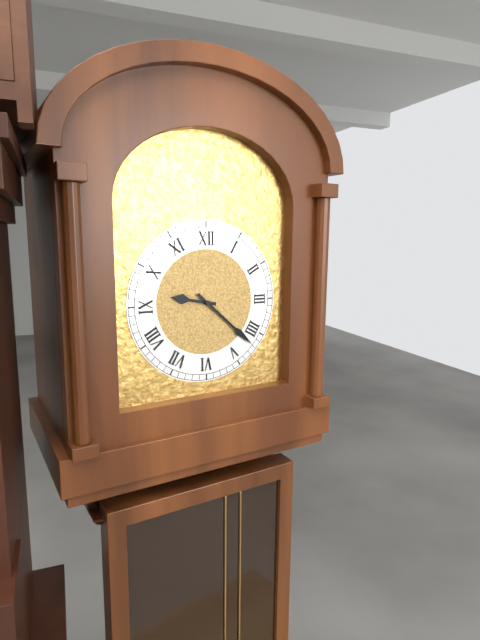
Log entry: {"hour": 9, "minute": 22}
